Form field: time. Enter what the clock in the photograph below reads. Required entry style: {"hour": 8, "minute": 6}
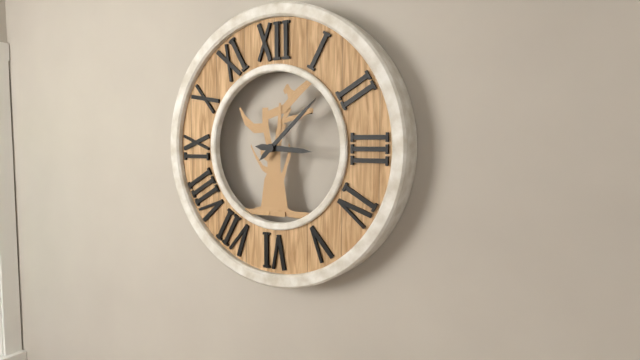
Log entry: {"hour": 3, "minute": 8}
